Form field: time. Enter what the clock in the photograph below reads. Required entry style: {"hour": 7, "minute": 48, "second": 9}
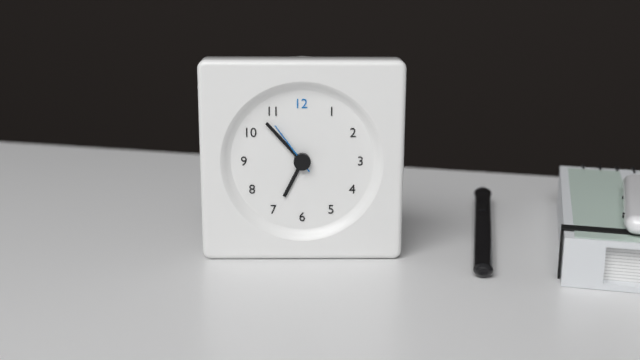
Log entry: {"hour": 6, "minute": 53, "second": 54}
